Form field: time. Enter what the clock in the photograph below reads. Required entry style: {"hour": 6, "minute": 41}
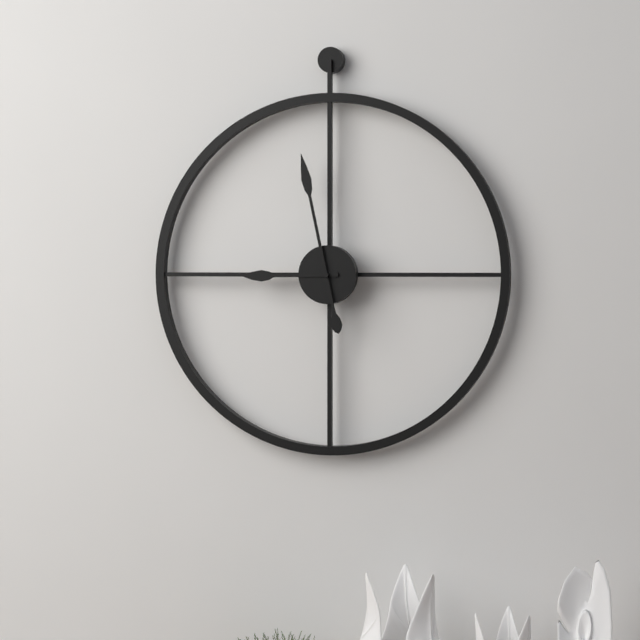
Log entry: {"hour": 8, "minute": 58}
